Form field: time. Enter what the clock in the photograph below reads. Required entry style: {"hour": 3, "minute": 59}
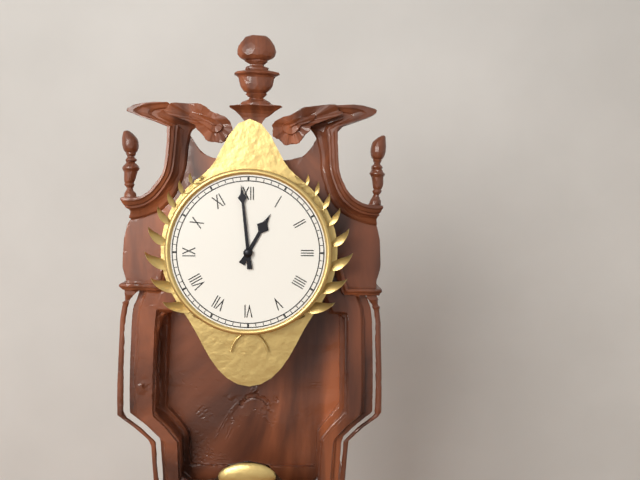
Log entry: {"hour": 12, "minute": 59}
